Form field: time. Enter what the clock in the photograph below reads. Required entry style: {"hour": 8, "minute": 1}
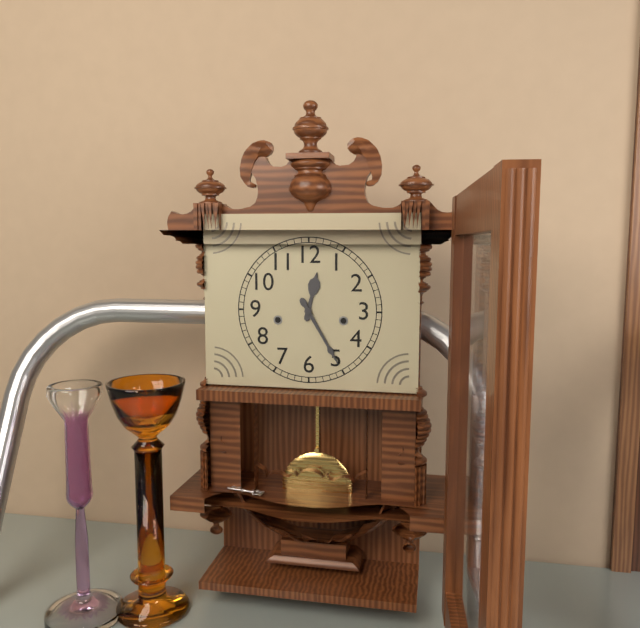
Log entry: {"hour": 12, "minute": 25}
